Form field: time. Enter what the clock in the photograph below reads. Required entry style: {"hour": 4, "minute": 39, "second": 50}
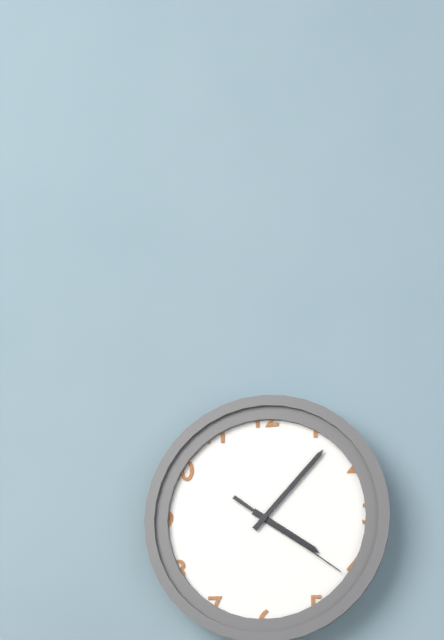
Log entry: {"hour": 4, "minute": 7, "second": 21}
